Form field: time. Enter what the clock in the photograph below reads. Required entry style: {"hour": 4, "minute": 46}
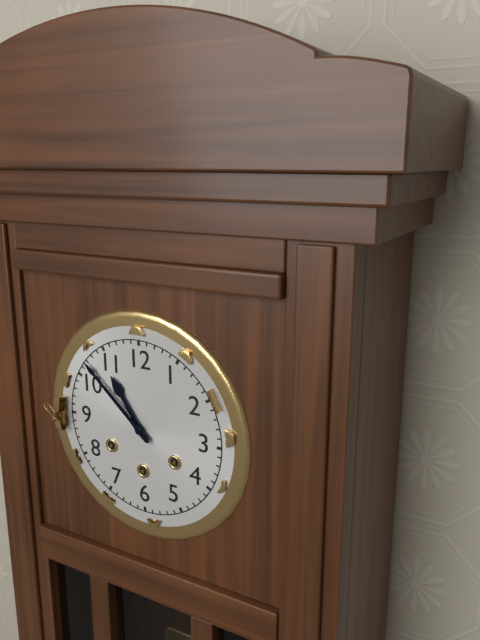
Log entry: {"hour": 10, "minute": 52}
